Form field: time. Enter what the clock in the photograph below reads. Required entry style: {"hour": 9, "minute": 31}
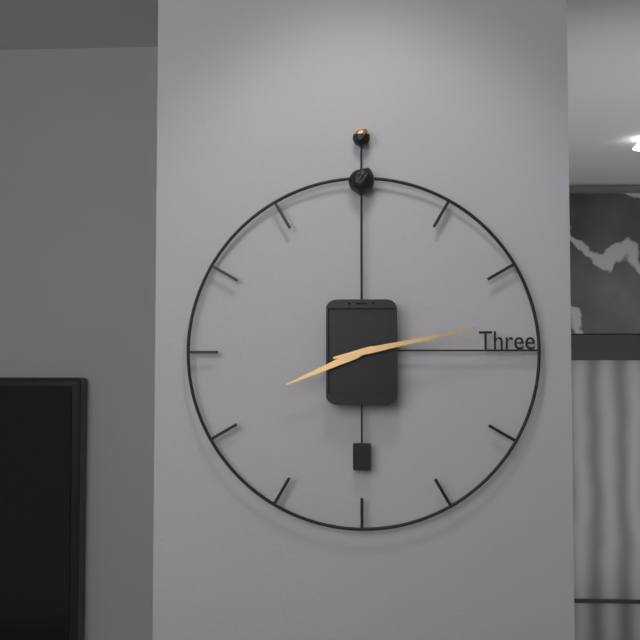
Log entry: {"hour": 8, "minute": 13}
